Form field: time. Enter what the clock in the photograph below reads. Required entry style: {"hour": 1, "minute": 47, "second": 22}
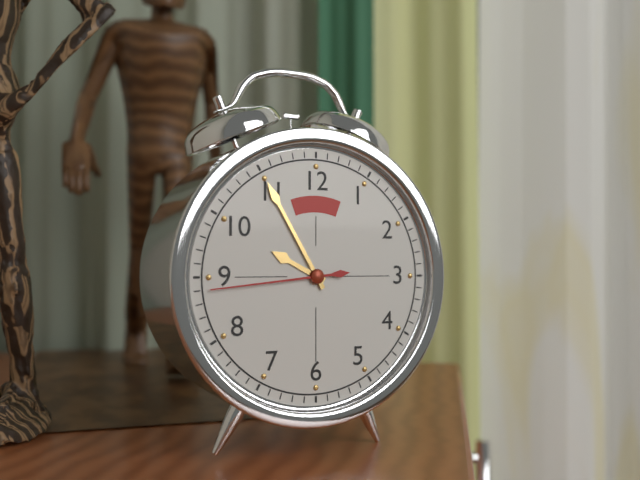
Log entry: {"hour": 9, "minute": 55, "second": 44}
